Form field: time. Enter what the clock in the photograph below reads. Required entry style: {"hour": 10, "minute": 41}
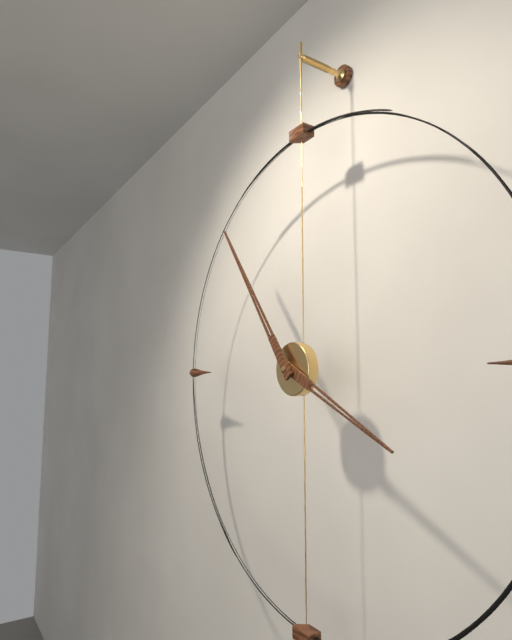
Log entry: {"hour": 3, "minute": 54}
